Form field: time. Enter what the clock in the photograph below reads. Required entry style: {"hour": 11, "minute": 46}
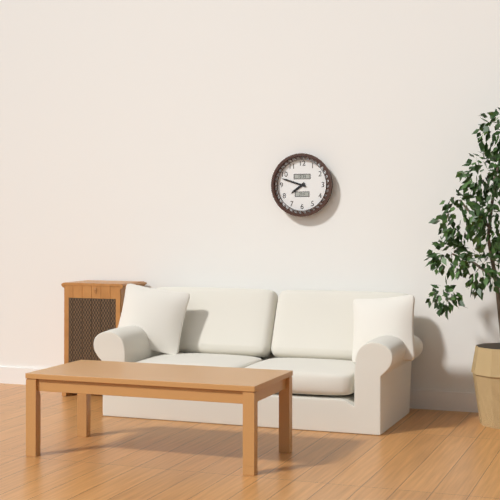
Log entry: {"hour": 7, "minute": 48}
